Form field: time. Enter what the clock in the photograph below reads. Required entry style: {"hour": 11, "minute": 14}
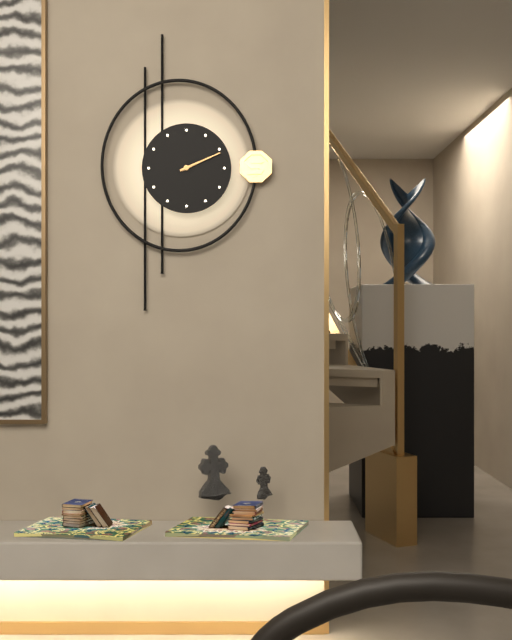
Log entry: {"hour": 2, "minute": 11}
